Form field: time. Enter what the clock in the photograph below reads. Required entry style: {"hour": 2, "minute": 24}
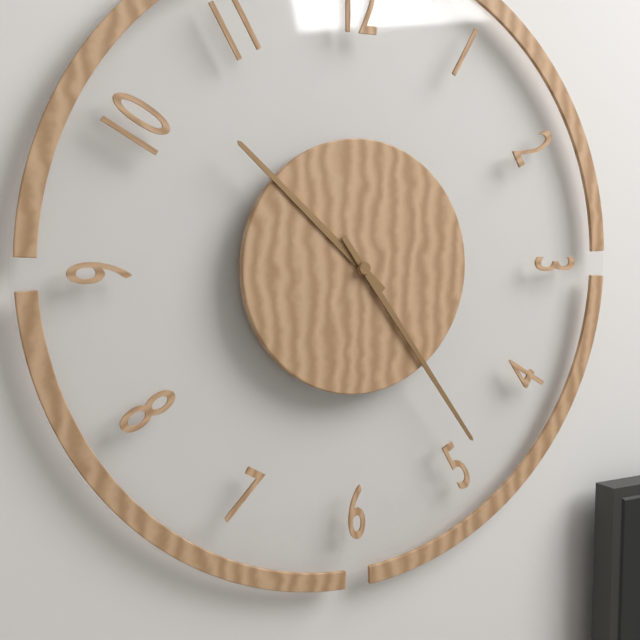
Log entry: {"hour": 10, "minute": 24}
